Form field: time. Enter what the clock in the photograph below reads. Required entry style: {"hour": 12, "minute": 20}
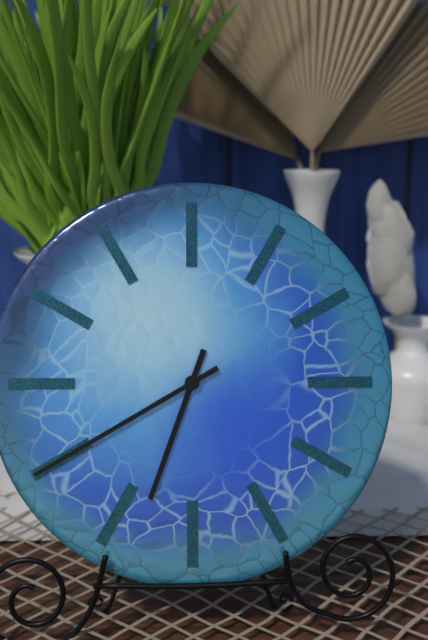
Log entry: {"hour": 6, "minute": 40}
